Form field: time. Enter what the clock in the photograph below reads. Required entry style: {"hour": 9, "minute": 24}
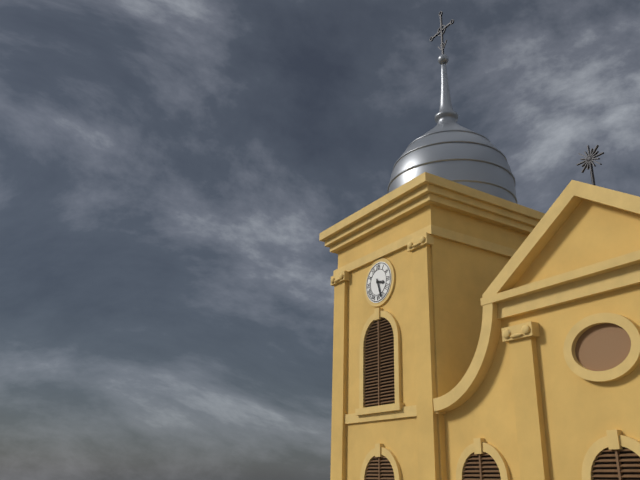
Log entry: {"hour": 3, "minute": 27}
